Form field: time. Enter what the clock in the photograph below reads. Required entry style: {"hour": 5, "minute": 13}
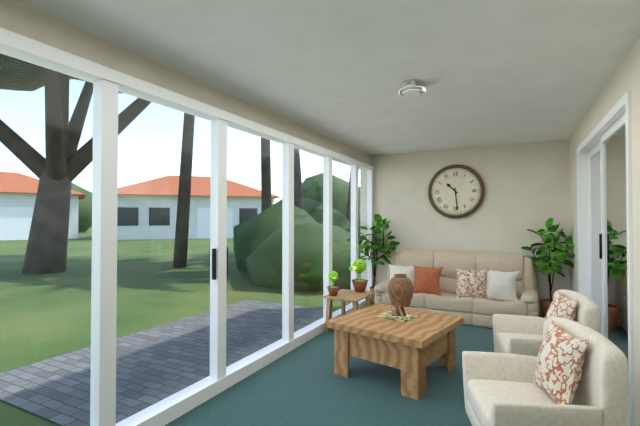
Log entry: {"hour": 10, "minute": 29}
